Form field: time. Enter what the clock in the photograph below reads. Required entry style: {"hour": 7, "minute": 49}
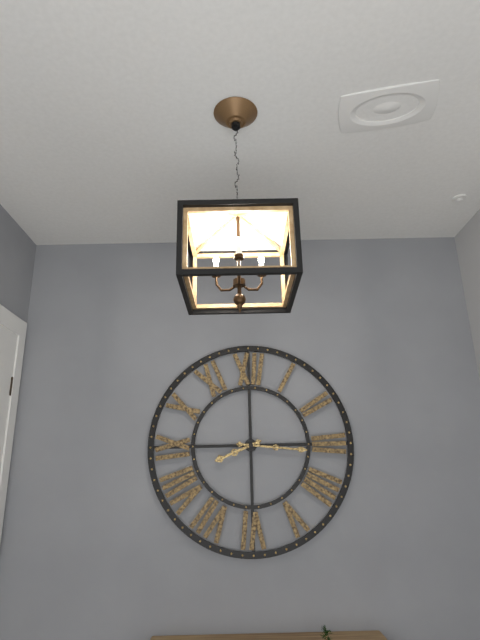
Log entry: {"hour": 8, "minute": 16}
